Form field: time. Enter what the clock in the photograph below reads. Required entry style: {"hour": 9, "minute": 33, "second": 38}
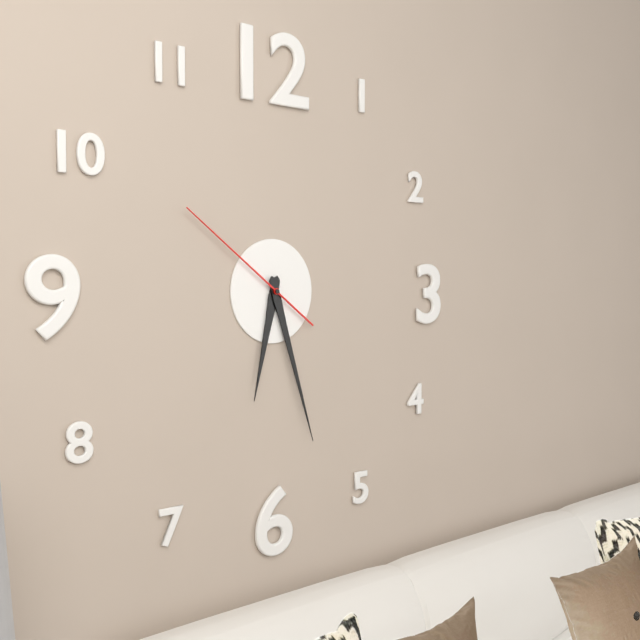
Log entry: {"hour": 6, "minute": 27, "second": 51}
